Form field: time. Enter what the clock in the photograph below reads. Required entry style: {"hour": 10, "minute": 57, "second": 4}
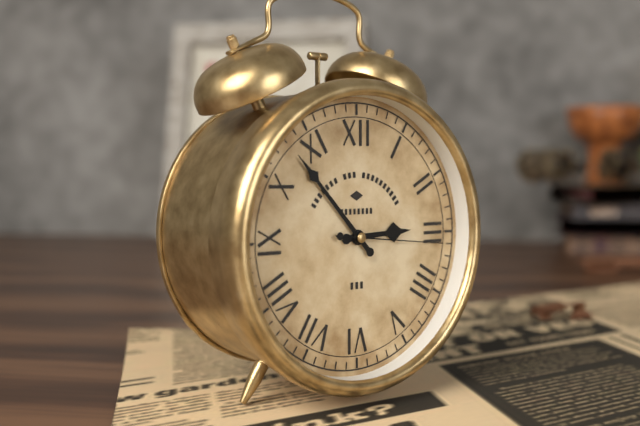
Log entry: {"hour": 2, "minute": 53, "second": 16}
